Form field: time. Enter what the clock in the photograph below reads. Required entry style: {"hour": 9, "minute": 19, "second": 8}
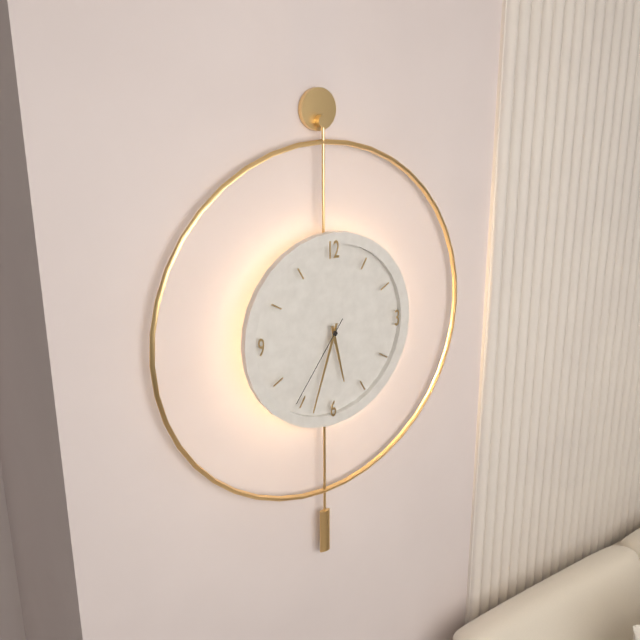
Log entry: {"hour": 5, "minute": 33, "second": 36}
